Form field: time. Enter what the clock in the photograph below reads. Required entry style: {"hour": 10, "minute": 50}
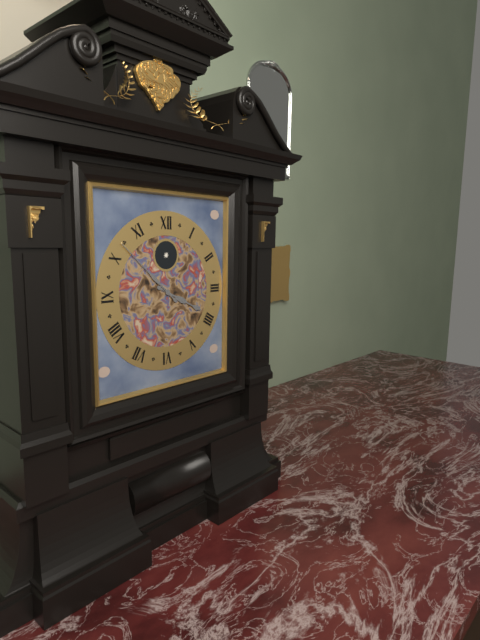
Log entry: {"hour": 3, "minute": 52}
